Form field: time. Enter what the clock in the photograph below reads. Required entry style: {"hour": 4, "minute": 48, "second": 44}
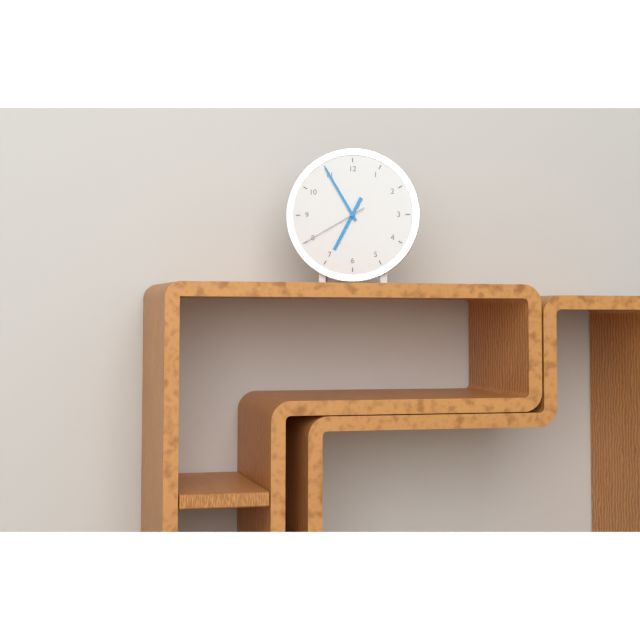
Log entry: {"hour": 6, "minute": 55, "second": 40}
